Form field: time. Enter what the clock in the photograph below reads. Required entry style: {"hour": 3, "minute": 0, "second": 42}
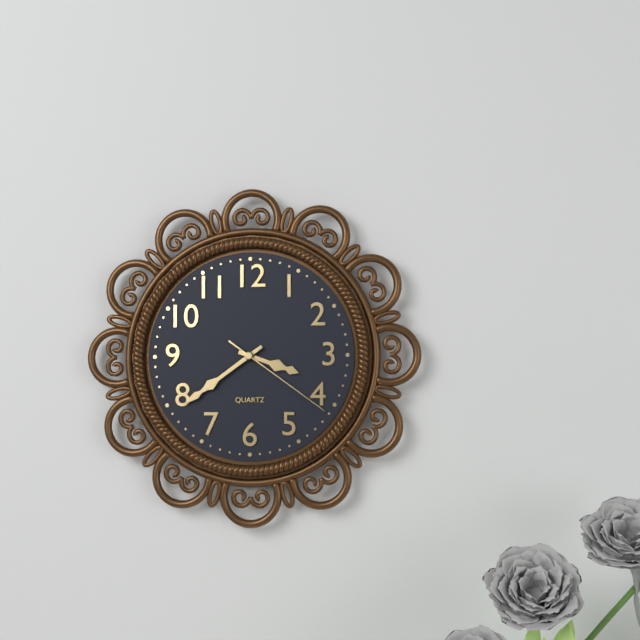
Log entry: {"hour": 3, "minute": 39, "second": 21}
